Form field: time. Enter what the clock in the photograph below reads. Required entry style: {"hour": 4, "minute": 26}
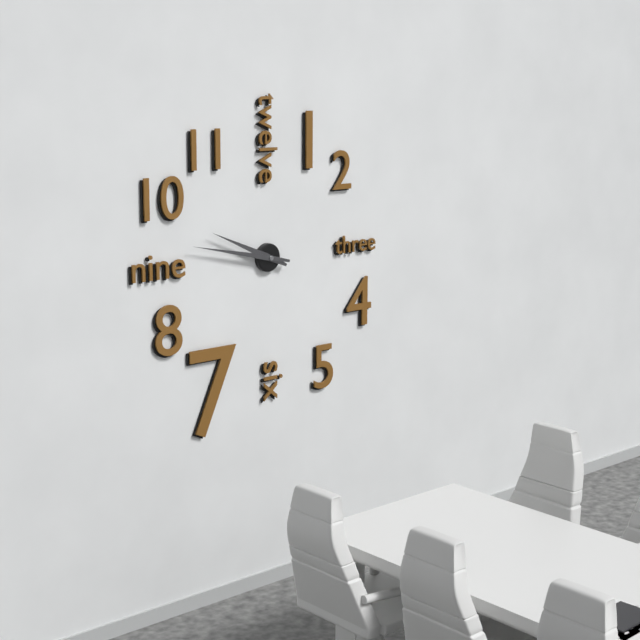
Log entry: {"hour": 9, "minute": 47}
